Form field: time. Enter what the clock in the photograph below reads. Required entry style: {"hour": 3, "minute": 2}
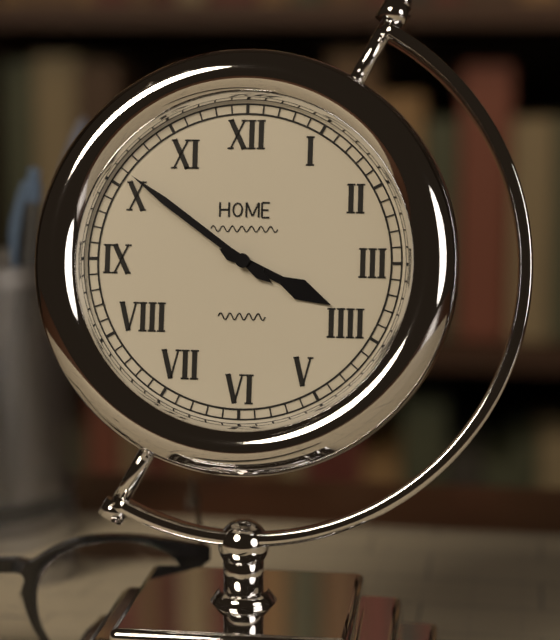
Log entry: {"hour": 3, "minute": 51}
